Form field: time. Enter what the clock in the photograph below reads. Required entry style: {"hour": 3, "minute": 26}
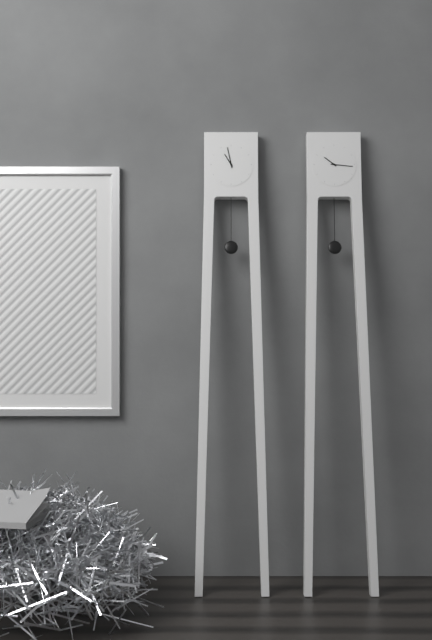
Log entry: {"hour": 10, "minute": 58}
